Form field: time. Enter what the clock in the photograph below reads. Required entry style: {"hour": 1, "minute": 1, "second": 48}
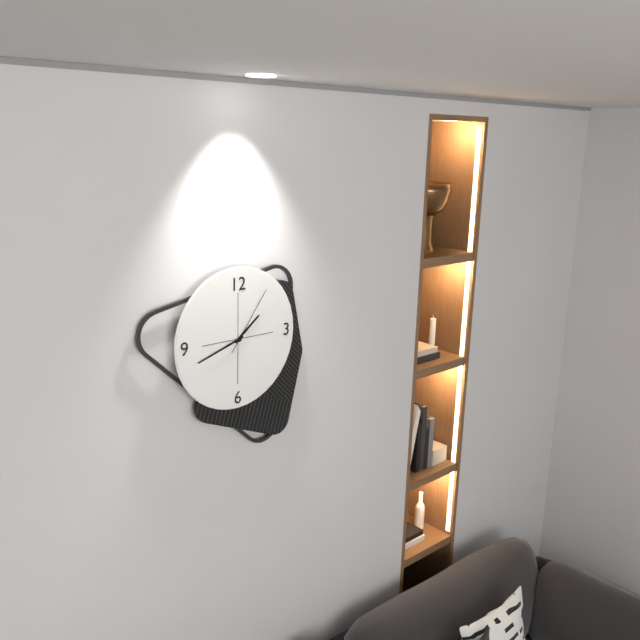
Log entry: {"hour": 1, "minute": 42, "second": 6}
